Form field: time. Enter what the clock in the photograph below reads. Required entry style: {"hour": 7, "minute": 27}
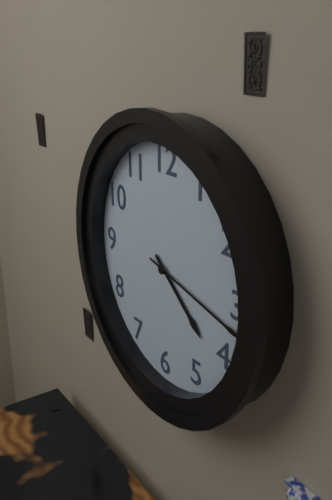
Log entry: {"hour": 4, "minute": 17}
